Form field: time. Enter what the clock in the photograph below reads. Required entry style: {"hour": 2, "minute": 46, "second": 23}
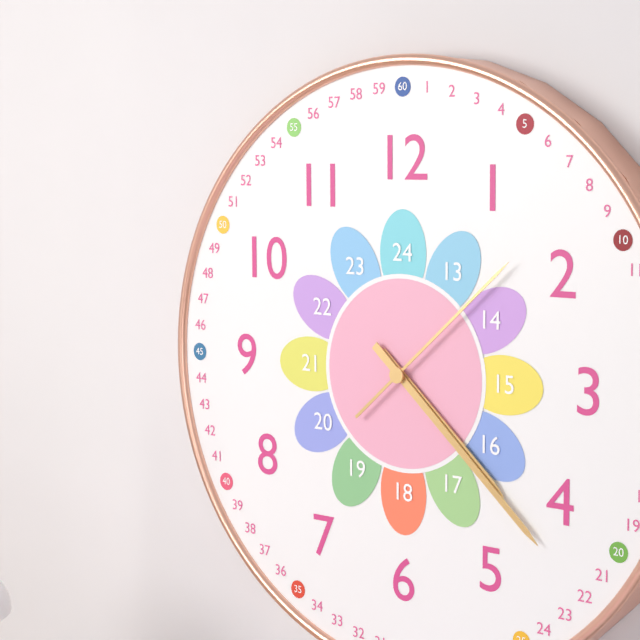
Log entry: {"hour": 4, "minute": 22, "second": 8}
